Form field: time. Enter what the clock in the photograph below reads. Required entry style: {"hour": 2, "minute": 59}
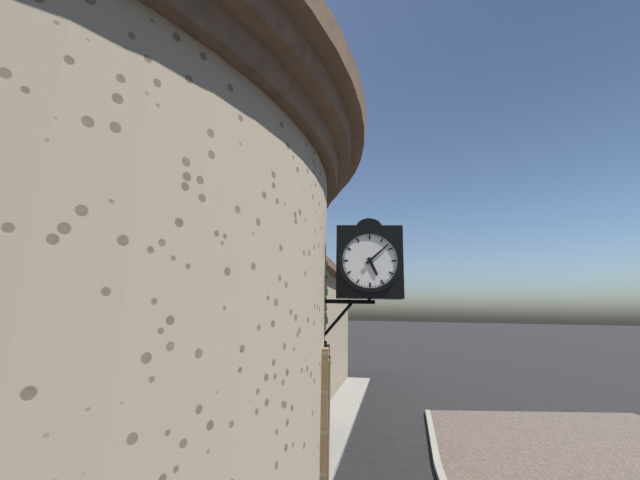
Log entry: {"hour": 5, "minute": 8}
